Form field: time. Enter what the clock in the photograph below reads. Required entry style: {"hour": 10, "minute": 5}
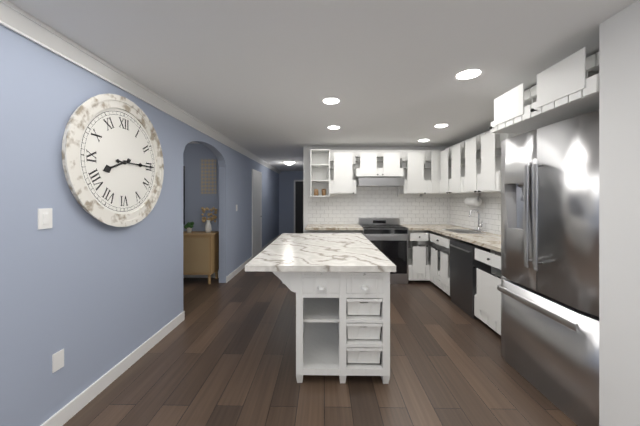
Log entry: {"hour": 8, "minute": 15}
